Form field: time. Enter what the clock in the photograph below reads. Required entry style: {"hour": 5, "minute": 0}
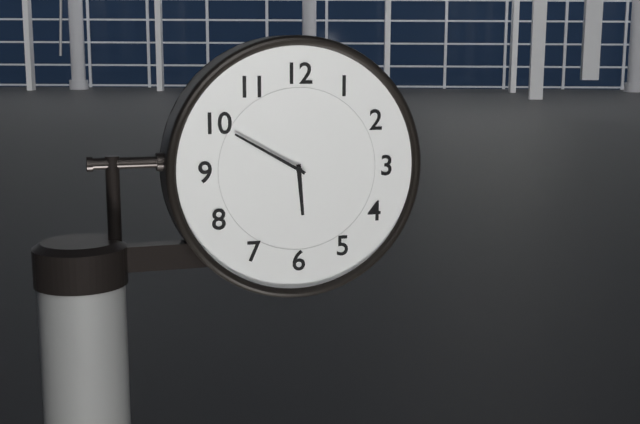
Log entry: {"hour": 5, "minute": 50}
